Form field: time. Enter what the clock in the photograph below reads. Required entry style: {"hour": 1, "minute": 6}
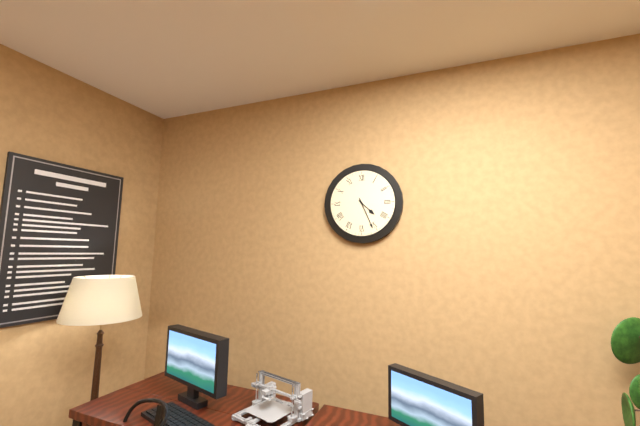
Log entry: {"hour": 4, "minute": 26}
